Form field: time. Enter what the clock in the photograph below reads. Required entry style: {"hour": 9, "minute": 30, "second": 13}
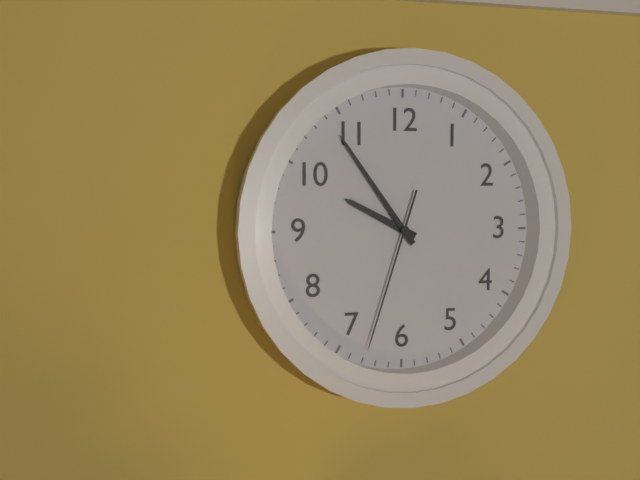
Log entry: {"hour": 9, "minute": 54, "second": 33}
